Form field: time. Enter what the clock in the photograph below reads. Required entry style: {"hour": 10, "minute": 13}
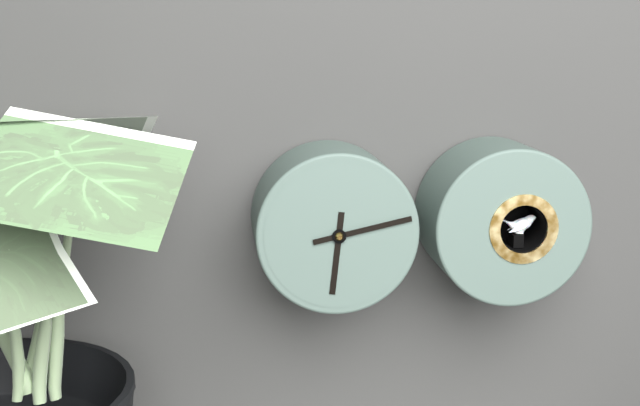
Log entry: {"hour": 6, "minute": 13}
